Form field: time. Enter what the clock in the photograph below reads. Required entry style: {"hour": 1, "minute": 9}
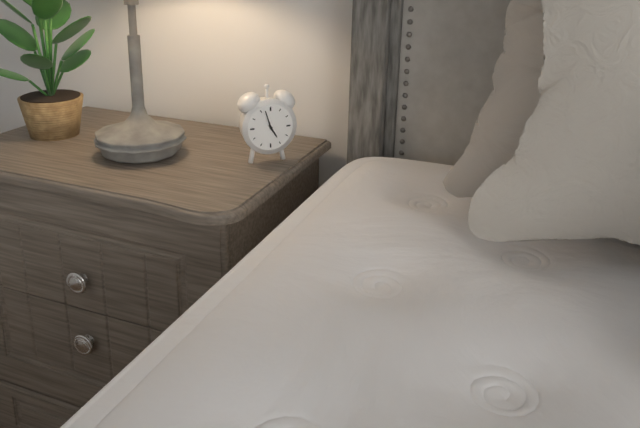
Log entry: {"hour": 4, "minute": 57}
